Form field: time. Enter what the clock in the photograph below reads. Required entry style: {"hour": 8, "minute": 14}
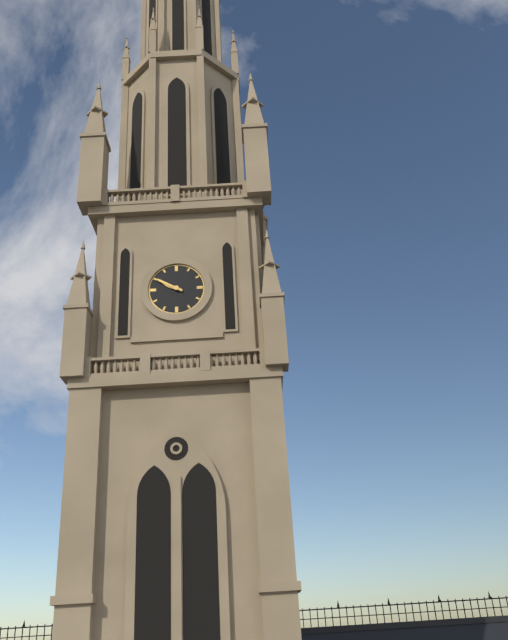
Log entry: {"hour": 9, "minute": 50}
